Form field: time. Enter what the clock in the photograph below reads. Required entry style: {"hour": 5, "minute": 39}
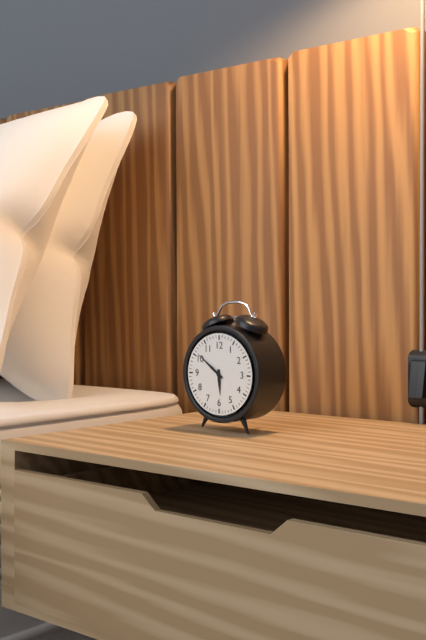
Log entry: {"hour": 5, "minute": 51}
